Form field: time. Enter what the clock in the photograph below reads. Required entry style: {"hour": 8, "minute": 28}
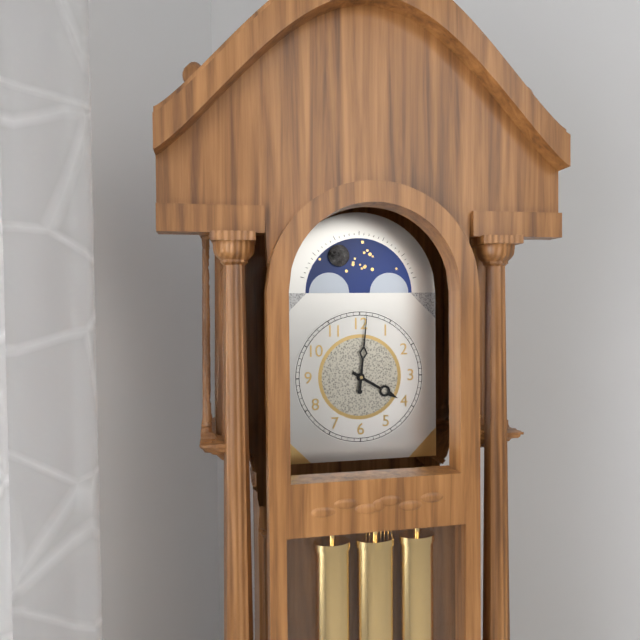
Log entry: {"hour": 4, "minute": 1}
